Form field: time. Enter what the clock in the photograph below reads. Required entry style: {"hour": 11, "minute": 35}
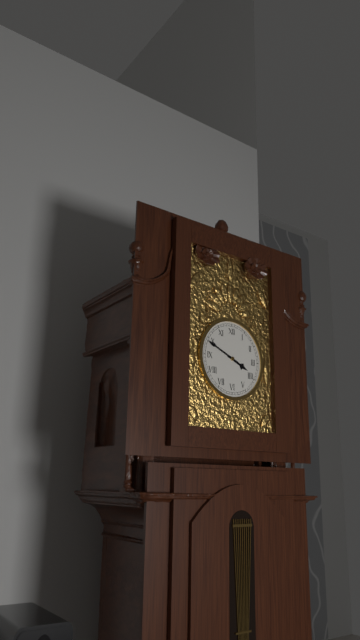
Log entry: {"hour": 3, "minute": 49}
